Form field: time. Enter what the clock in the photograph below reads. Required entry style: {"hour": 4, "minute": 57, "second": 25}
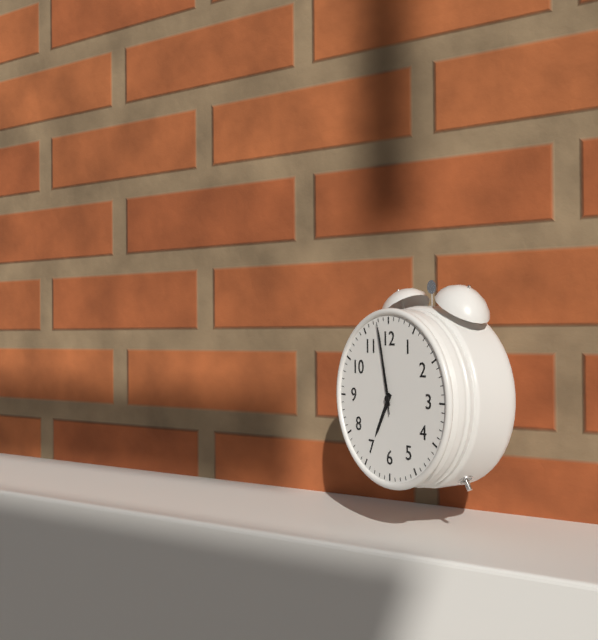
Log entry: {"hour": 6, "minute": 58, "second": 58}
